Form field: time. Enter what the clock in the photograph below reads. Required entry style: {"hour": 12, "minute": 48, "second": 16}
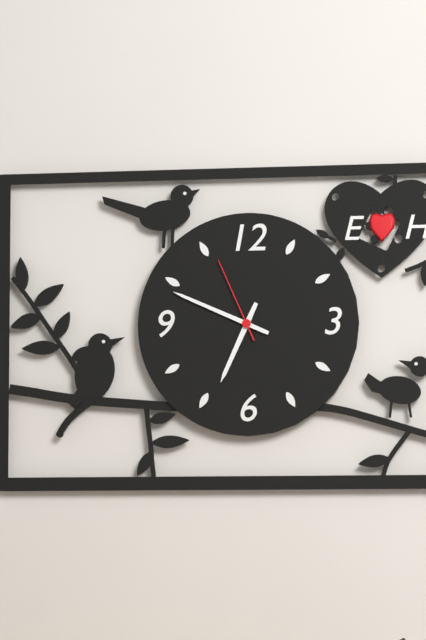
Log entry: {"hour": 6, "minute": 49, "second": 56}
